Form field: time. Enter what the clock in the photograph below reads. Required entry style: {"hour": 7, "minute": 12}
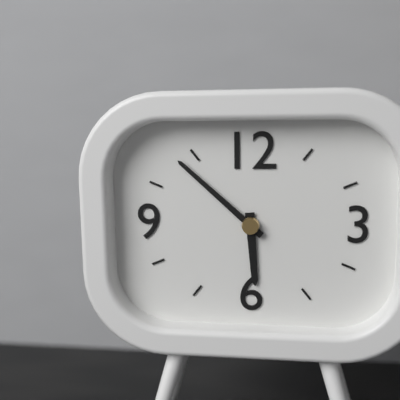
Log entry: {"hour": 5, "minute": 52}
